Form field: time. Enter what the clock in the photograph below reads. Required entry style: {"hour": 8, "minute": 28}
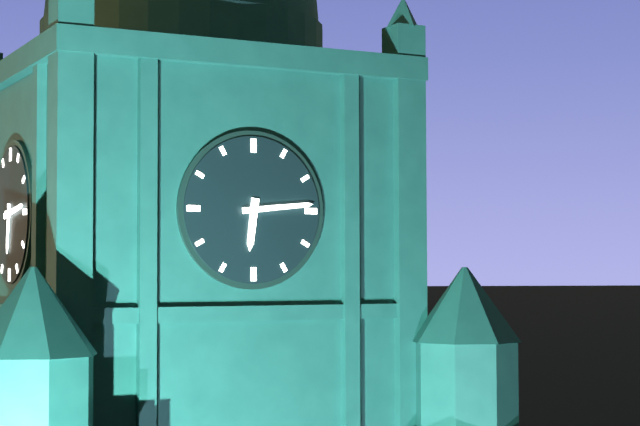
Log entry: {"hour": 6, "minute": 14}
